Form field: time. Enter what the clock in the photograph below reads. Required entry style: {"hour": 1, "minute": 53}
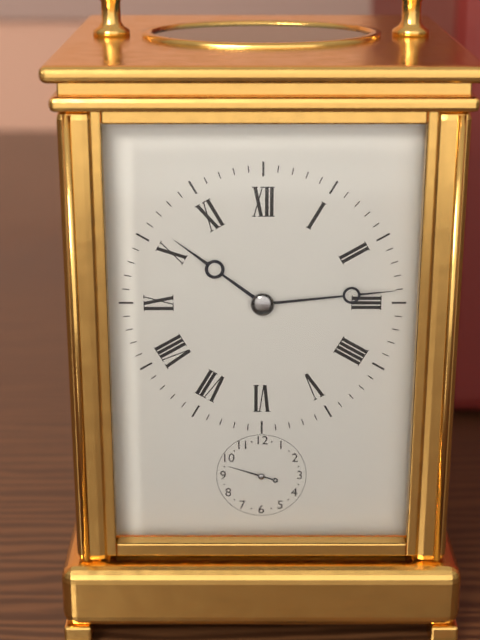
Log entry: {"hour": 10, "minute": 14}
